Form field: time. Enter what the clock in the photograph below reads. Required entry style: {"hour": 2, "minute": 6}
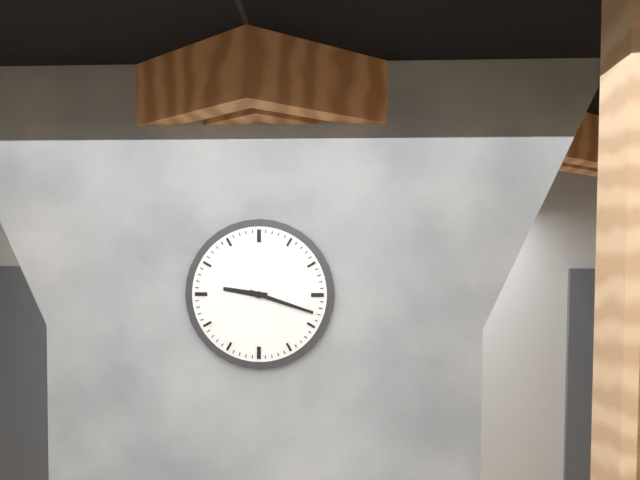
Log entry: {"hour": 9, "minute": 18}
